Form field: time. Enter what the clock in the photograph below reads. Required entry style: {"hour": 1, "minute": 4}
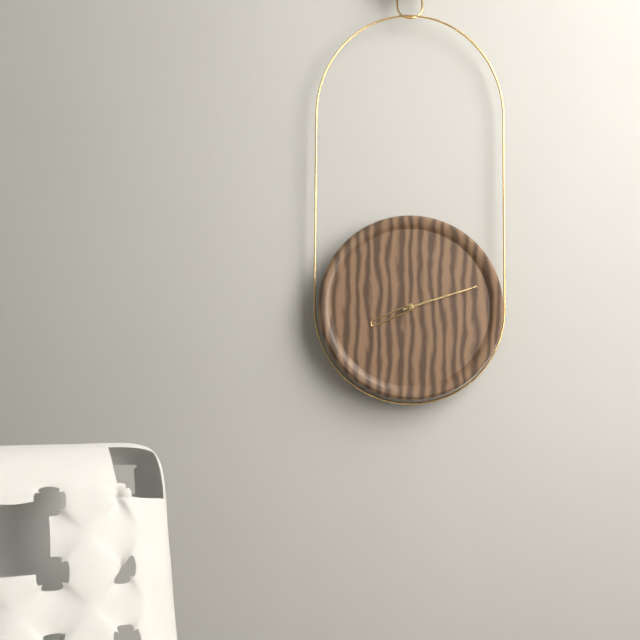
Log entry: {"hour": 8, "minute": 12}
